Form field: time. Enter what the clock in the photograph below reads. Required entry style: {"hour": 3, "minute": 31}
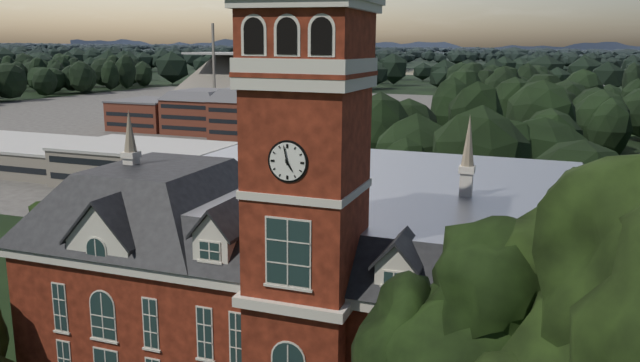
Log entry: {"hour": 4, "minute": 58}
